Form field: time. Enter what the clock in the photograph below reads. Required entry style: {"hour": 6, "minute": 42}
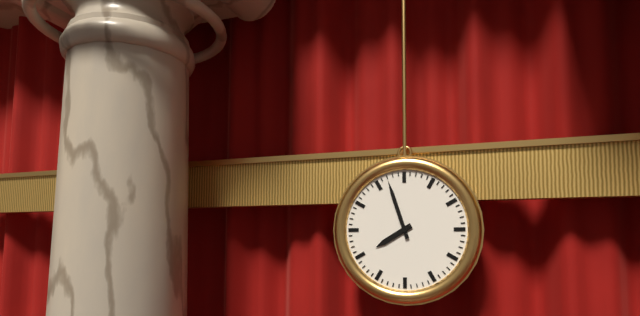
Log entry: {"hour": 7, "minute": 57}
